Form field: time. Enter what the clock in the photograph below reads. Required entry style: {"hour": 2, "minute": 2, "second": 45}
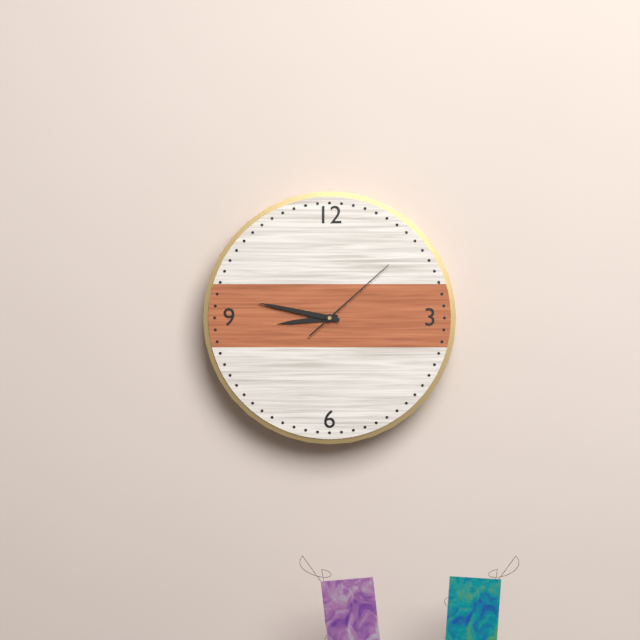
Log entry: {"hour": 8, "minute": 47, "second": 8}
